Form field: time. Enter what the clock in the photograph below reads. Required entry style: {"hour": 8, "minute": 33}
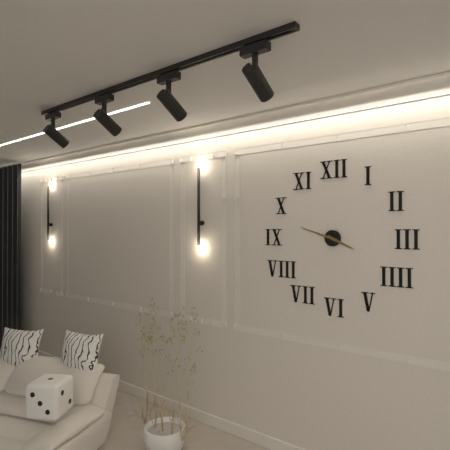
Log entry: {"hour": 3, "minute": 48}
